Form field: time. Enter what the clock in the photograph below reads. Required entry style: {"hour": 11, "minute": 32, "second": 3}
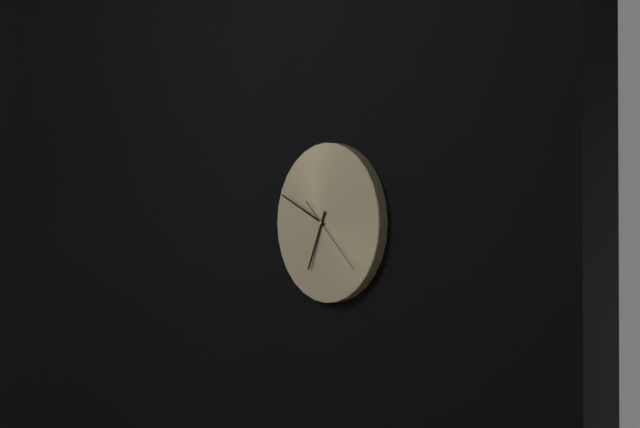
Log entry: {"hour": 6, "minute": 49, "second": 22}
